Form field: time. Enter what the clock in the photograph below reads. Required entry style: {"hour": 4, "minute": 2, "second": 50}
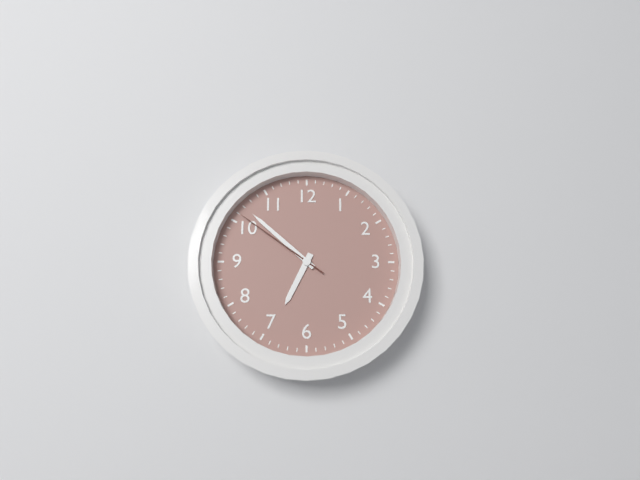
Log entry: {"hour": 6, "minute": 52, "second": 51}
